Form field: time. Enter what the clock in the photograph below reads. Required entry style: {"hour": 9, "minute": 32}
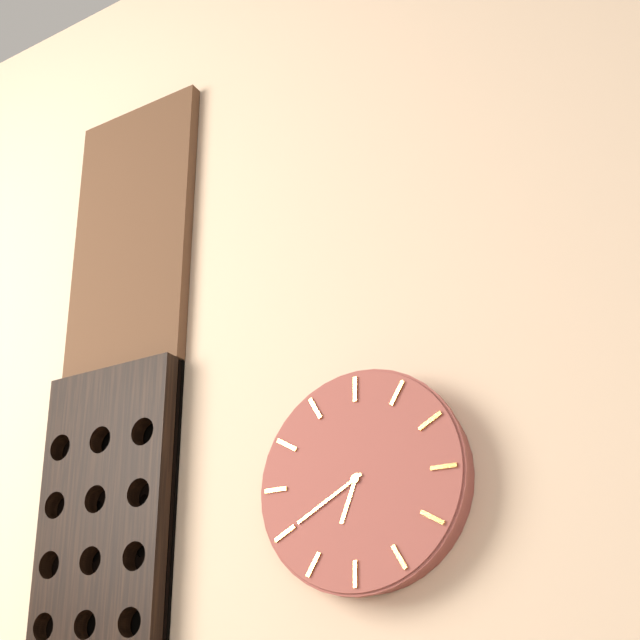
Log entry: {"hour": 6, "minute": 40}
